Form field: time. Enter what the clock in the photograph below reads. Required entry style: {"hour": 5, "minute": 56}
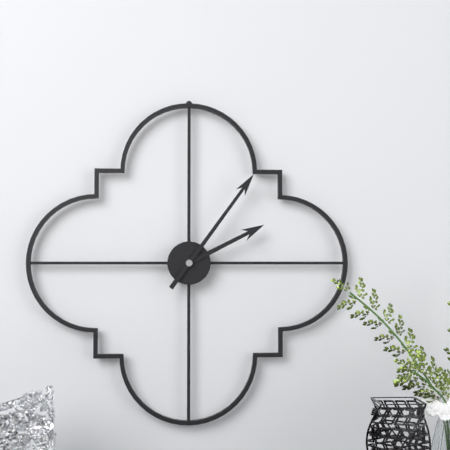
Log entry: {"hour": 2, "minute": 6}
